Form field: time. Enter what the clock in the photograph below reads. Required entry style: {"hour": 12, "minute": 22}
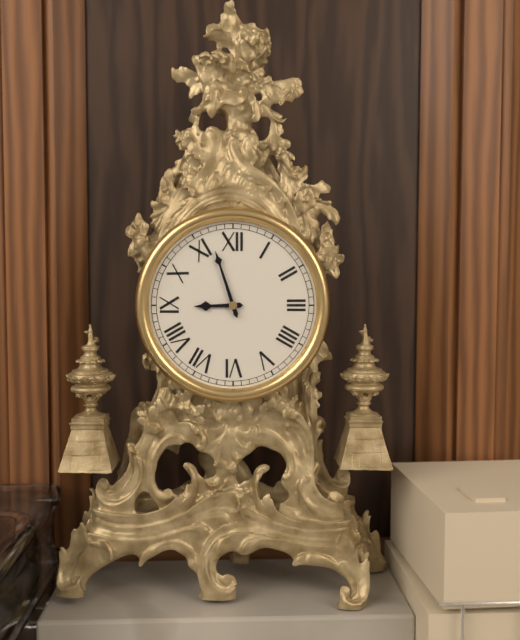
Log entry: {"hour": 8, "minute": 57}
